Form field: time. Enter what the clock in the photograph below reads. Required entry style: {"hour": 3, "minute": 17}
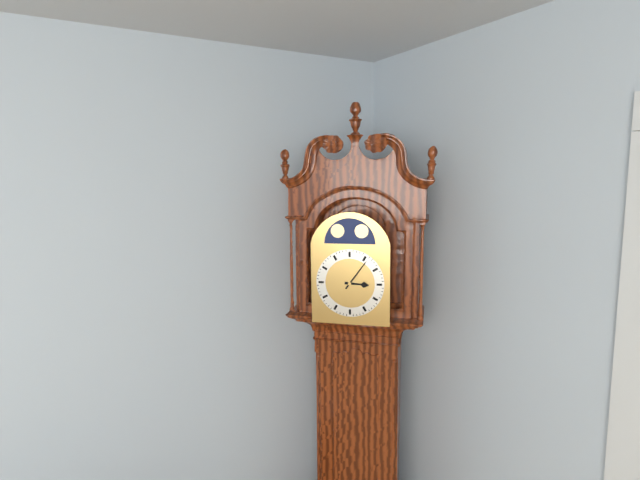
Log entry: {"hour": 3, "minute": 6}
